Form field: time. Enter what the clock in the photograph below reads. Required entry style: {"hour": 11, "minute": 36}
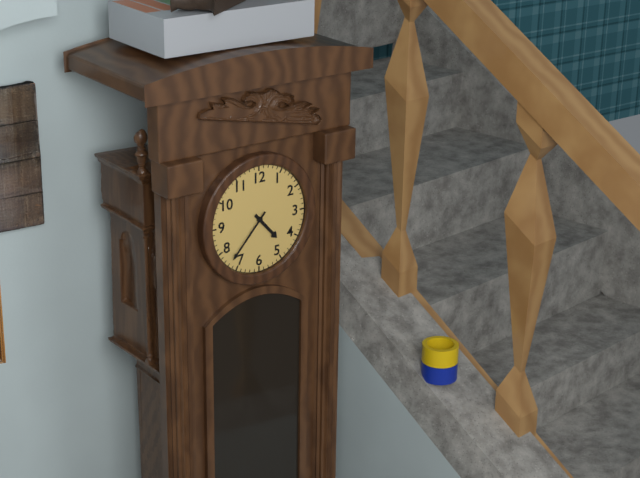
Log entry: {"hour": 4, "minute": 37}
